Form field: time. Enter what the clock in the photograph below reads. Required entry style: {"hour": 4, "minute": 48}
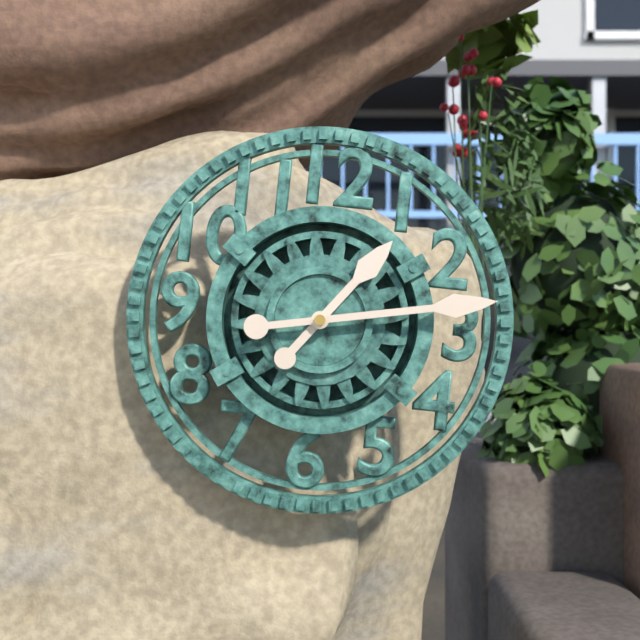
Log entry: {"hour": 1, "minute": 13}
